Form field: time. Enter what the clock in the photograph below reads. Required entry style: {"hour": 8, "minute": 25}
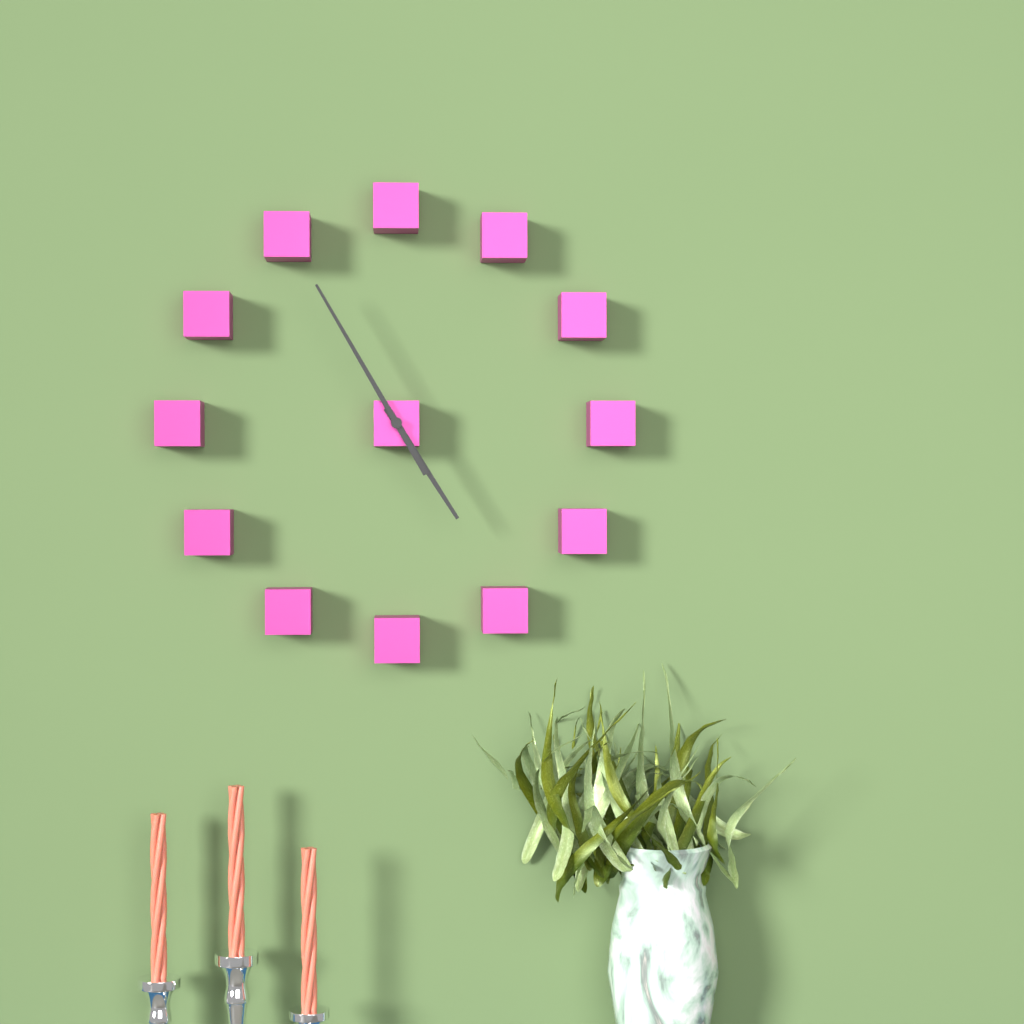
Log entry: {"hour": 4, "minute": 55}
